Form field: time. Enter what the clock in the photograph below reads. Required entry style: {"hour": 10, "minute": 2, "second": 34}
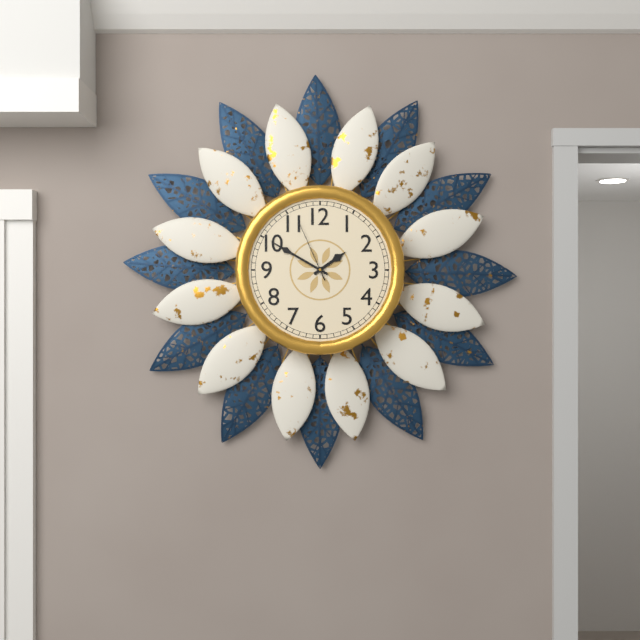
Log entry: {"hour": 1, "minute": 50, "second": 56}
